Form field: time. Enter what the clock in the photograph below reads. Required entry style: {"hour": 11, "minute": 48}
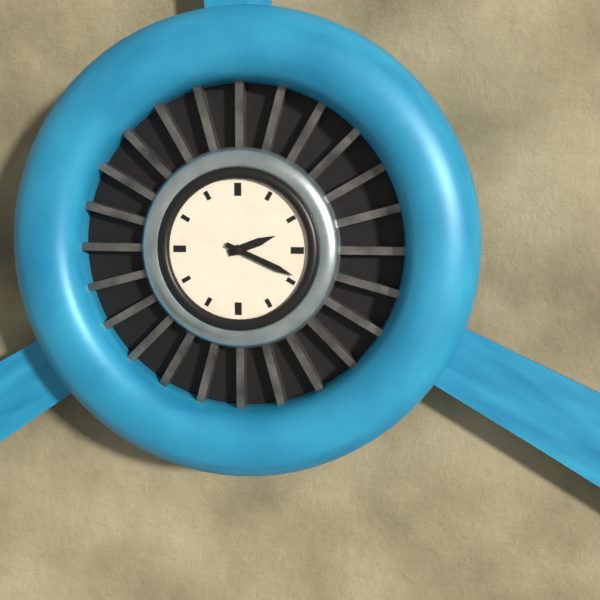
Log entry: {"hour": 2, "minute": 19}
